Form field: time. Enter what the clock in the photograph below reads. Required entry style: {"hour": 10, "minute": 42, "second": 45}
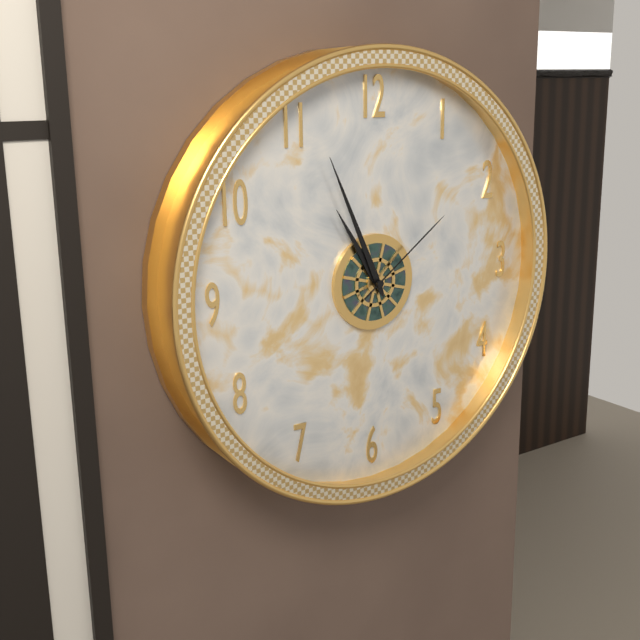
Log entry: {"hour": 10, "minute": 56, "second": 9}
